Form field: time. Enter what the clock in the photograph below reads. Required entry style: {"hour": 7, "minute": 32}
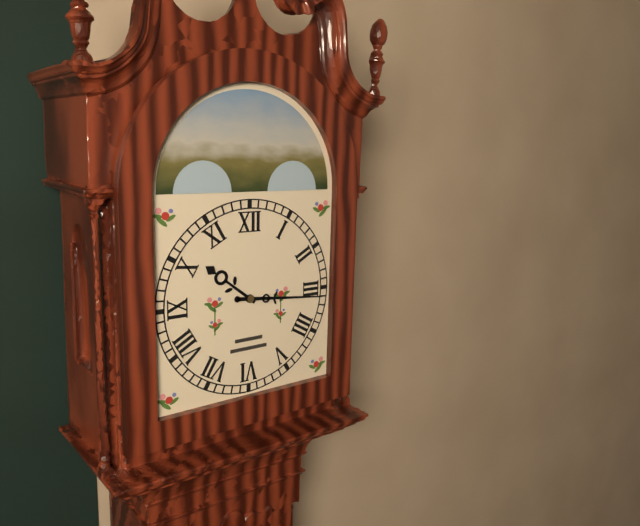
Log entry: {"hour": 10, "minute": 16}
